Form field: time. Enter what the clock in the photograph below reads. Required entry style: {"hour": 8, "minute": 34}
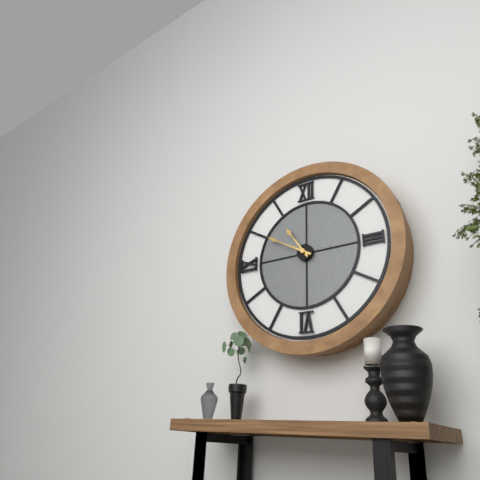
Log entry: {"hour": 10, "minute": 50}
